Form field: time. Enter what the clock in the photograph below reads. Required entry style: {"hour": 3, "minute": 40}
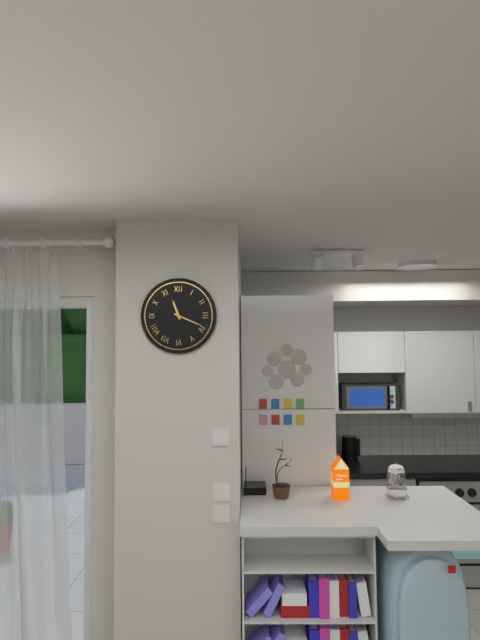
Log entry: {"hour": 11, "minute": 19}
